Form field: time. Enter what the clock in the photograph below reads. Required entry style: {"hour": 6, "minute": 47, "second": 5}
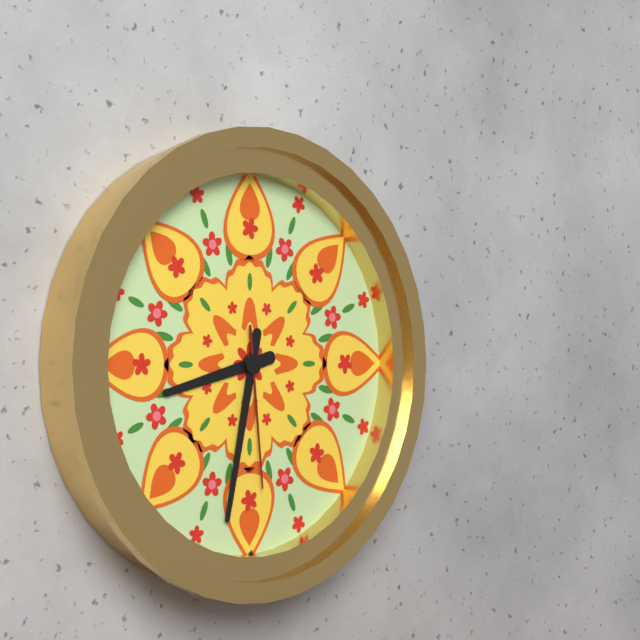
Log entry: {"hour": 8, "minute": 32, "second": 29}
